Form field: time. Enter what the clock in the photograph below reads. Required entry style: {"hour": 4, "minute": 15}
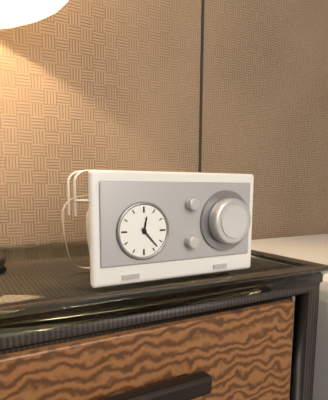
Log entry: {"hour": 12, "minute": 23}
